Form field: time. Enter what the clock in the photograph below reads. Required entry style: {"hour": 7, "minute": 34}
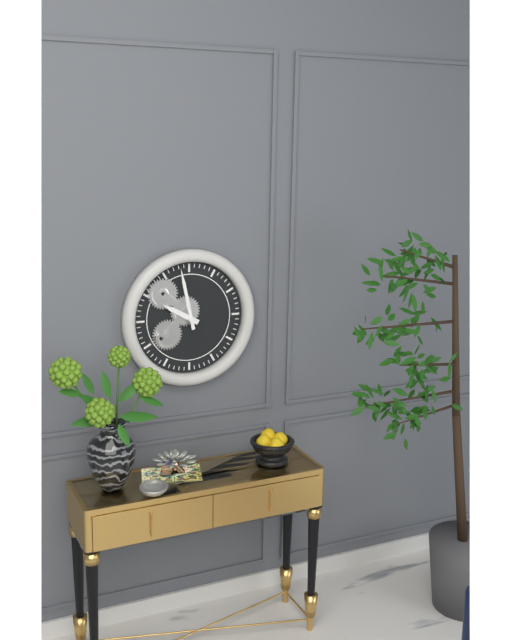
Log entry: {"hour": 9, "minute": 58}
